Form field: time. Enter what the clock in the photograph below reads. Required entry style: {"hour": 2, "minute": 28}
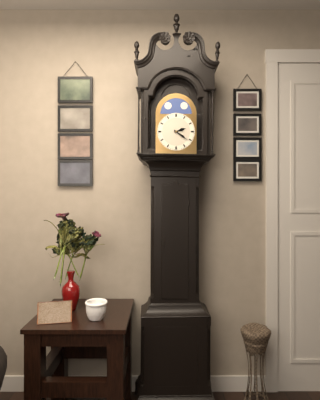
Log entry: {"hour": 2, "minute": 21}
